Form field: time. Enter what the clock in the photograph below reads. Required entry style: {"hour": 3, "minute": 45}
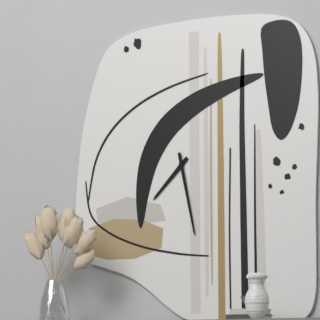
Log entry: {"hour": 7, "minute": 28}
